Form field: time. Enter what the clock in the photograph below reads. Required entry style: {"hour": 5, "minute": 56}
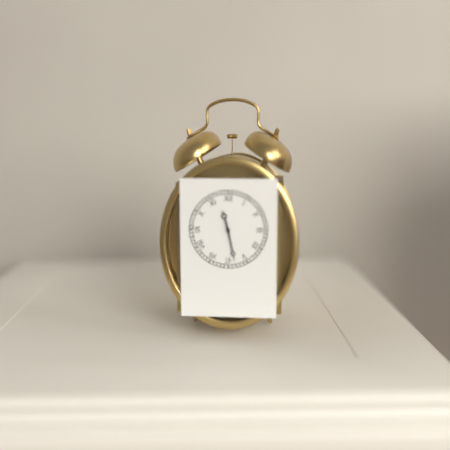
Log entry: {"hour": 11, "minute": 28}
